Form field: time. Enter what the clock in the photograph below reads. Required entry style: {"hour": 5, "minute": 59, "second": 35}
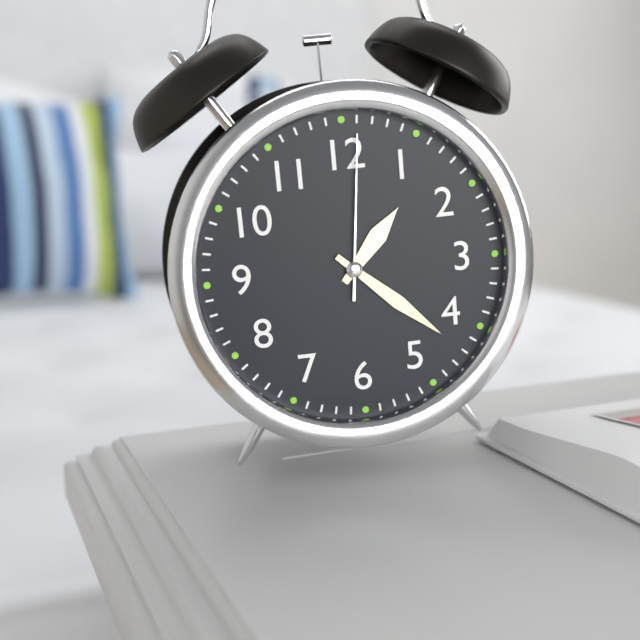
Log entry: {"hour": 1, "minute": 22, "second": 1}
